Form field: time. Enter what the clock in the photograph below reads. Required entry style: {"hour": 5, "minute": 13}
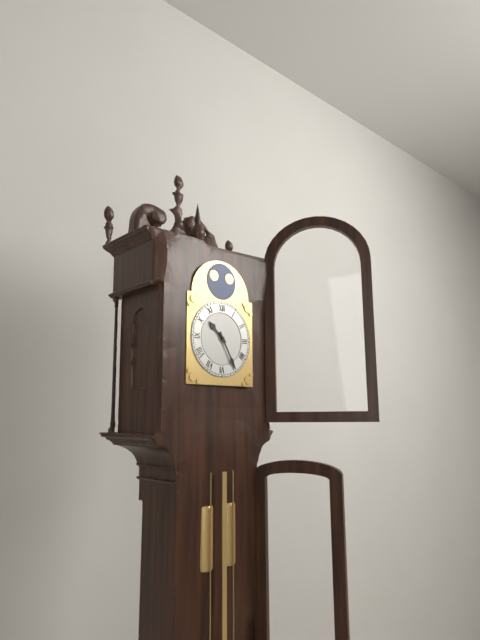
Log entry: {"hour": 10, "minute": 25}
